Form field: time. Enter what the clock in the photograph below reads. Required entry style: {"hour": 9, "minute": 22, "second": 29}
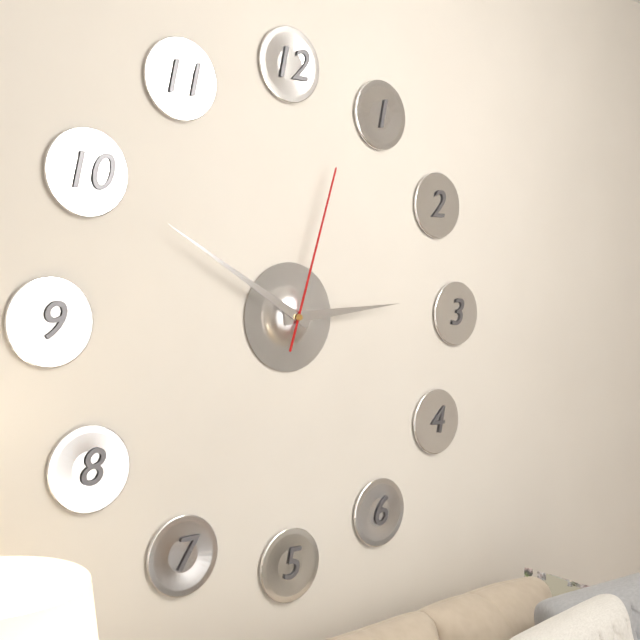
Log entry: {"hour": 2, "minute": 50, "second": 3}
